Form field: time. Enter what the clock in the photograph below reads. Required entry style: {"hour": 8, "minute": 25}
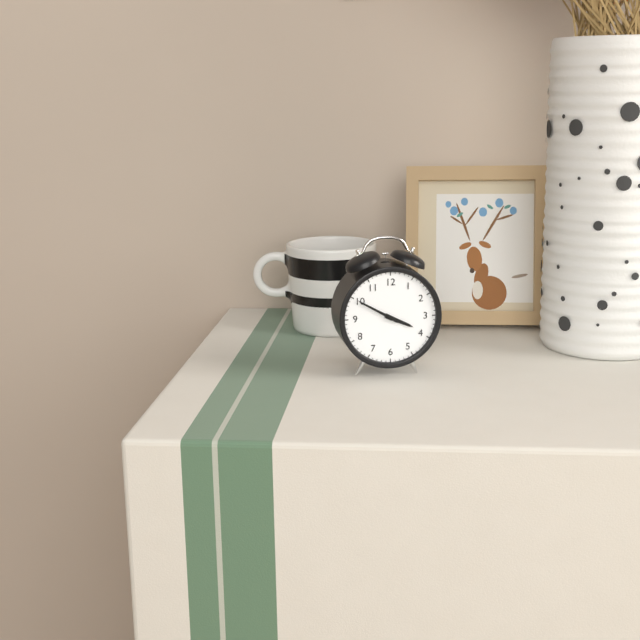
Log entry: {"hour": 3, "minute": 50}
